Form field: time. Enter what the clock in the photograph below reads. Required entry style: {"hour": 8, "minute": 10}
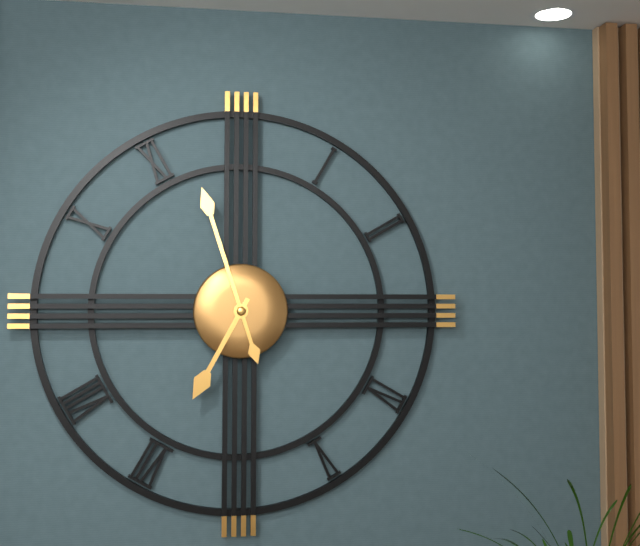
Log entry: {"hour": 6, "minute": 57}
